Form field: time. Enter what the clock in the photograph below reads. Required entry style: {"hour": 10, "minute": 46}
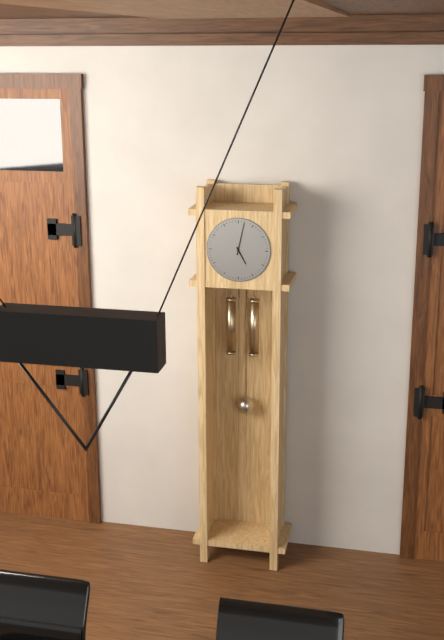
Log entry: {"hour": 5, "minute": 2}
